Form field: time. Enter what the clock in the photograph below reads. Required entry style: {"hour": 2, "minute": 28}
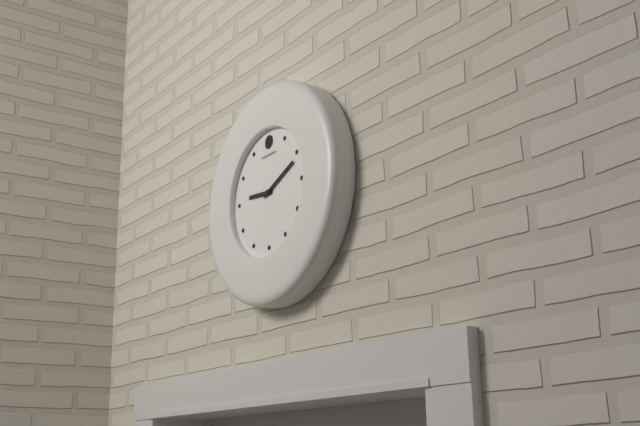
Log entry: {"hour": 9, "minute": 11}
